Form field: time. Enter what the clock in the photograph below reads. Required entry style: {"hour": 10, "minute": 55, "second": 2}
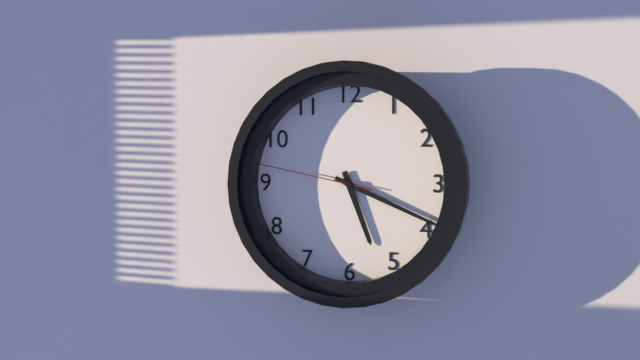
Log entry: {"hour": 5, "minute": 19, "second": 47}
